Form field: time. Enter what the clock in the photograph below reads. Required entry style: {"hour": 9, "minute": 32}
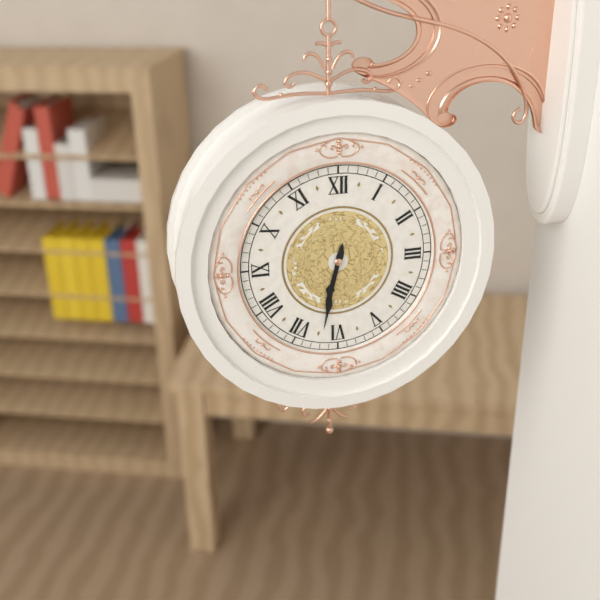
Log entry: {"hour": 6, "minute": 32}
